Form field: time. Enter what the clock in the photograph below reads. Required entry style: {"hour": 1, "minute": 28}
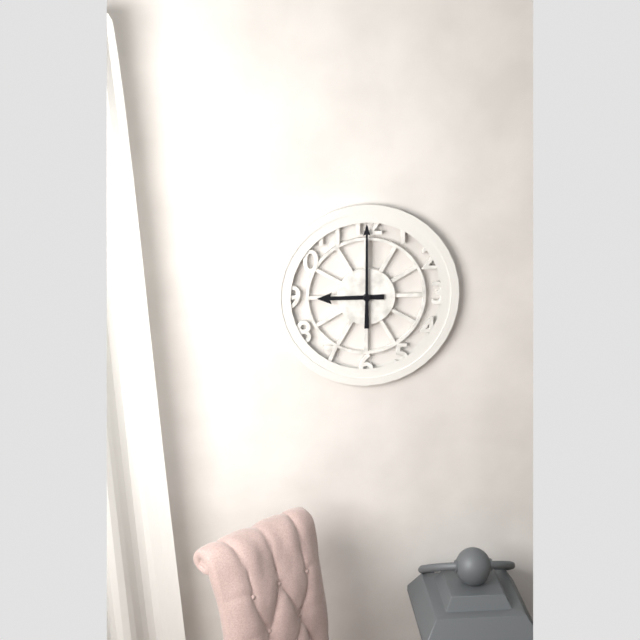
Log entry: {"hour": 9, "minute": 0}
